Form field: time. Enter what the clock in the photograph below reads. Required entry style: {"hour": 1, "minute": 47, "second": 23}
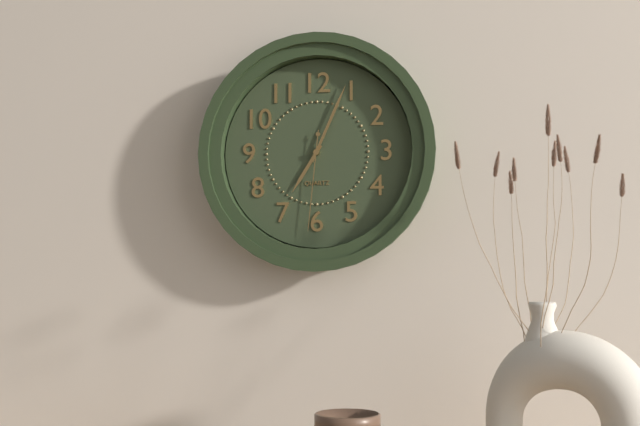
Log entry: {"hour": 7, "minute": 4, "second": 31}
